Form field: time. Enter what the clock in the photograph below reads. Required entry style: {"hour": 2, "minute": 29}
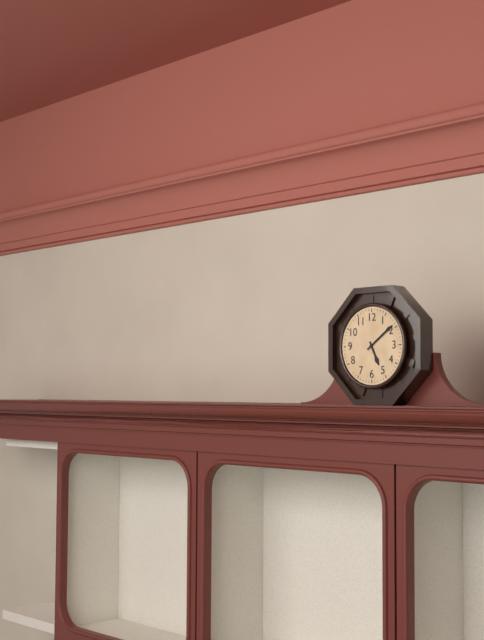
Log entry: {"hour": 5, "minute": 9}
